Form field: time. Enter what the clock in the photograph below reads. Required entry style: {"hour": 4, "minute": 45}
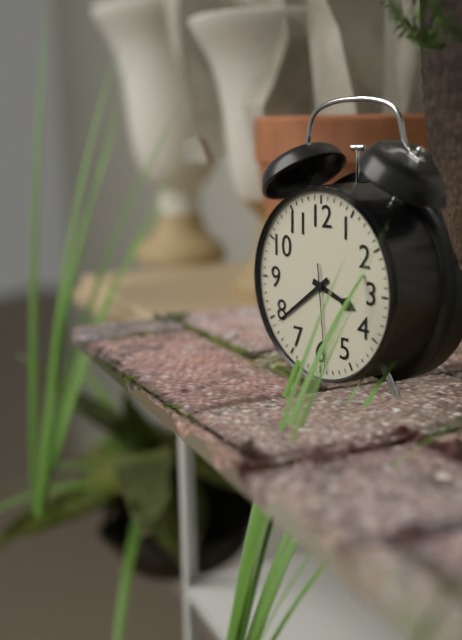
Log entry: {"hour": 3, "minute": 39}
